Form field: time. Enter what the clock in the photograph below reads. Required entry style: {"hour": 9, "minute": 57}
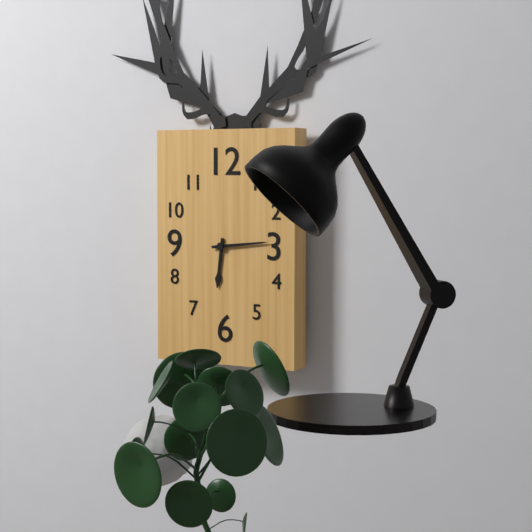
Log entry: {"hour": 6, "minute": 14}
